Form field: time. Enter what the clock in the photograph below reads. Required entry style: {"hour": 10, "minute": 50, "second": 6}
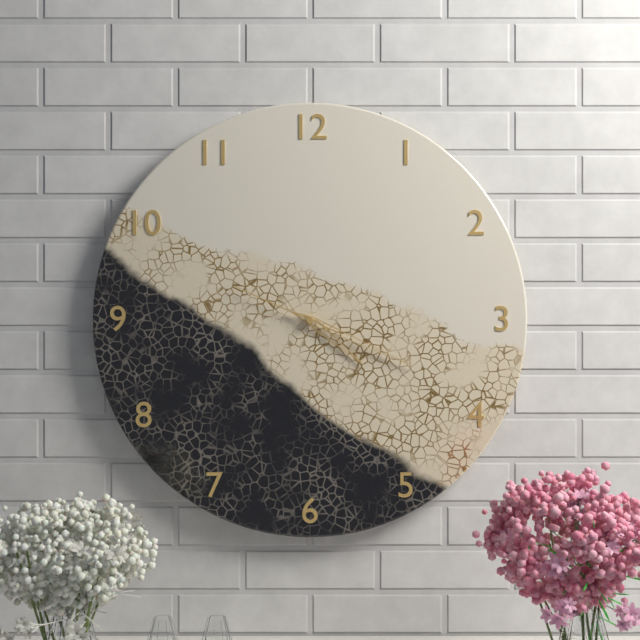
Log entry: {"hour": 4, "minute": 19, "second": 49}
